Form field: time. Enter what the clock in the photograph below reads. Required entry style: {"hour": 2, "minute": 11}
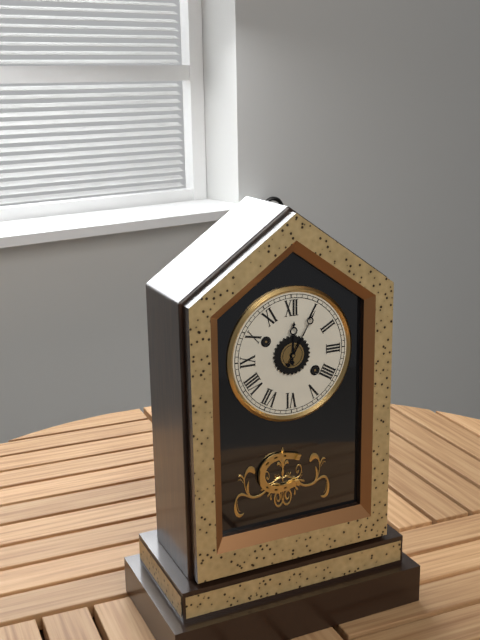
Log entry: {"hour": 12, "minute": 5}
